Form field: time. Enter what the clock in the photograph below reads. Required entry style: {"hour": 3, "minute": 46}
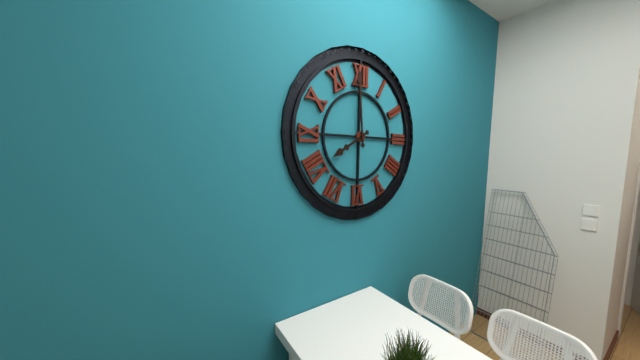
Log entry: {"hour": 7, "minute": 59}
